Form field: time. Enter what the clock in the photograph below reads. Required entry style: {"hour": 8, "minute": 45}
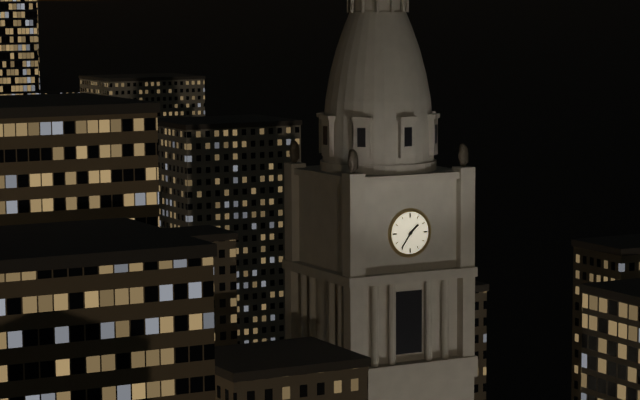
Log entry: {"hour": 1, "minute": 36}
